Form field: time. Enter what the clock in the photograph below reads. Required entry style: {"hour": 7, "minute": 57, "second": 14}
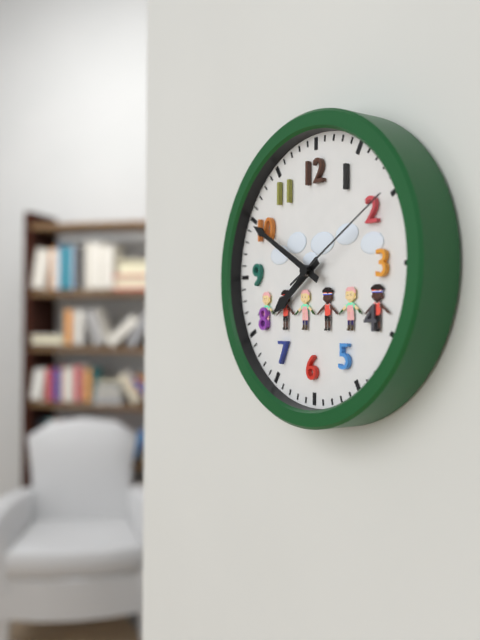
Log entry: {"hour": 7, "minute": 50, "second": 10}
